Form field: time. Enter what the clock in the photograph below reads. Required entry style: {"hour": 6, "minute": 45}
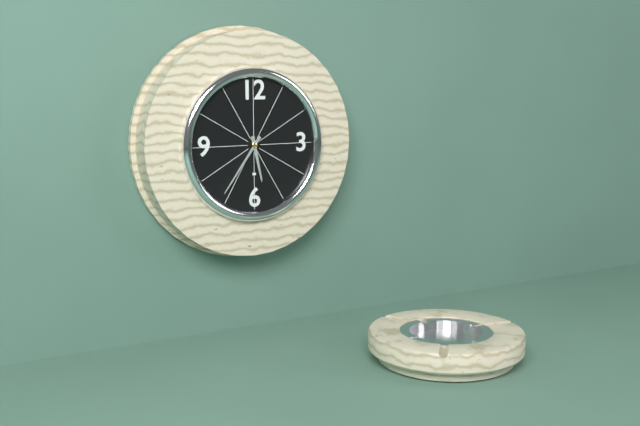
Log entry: {"hour": 5, "minute": 36}
